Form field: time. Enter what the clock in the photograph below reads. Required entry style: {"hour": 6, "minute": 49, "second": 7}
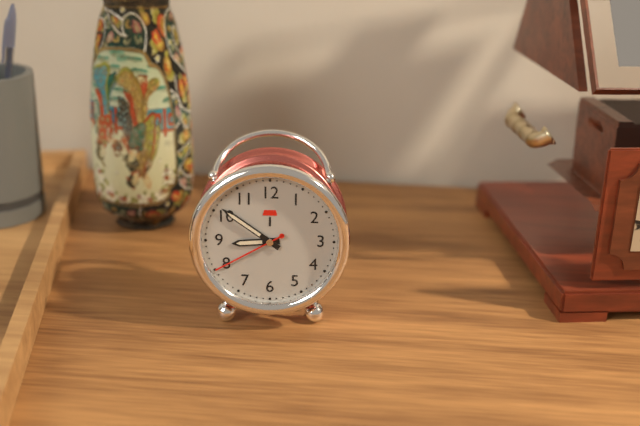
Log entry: {"hour": 8, "minute": 51, "second": 40}
